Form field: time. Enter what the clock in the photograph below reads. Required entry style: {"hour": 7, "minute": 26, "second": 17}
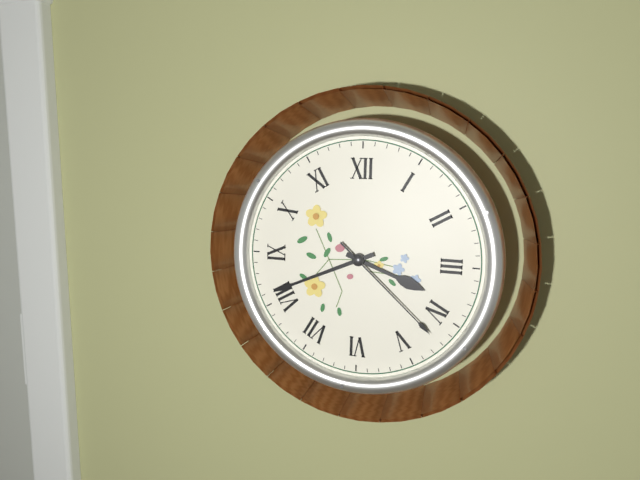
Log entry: {"hour": 3, "minute": 41, "second": 22}
